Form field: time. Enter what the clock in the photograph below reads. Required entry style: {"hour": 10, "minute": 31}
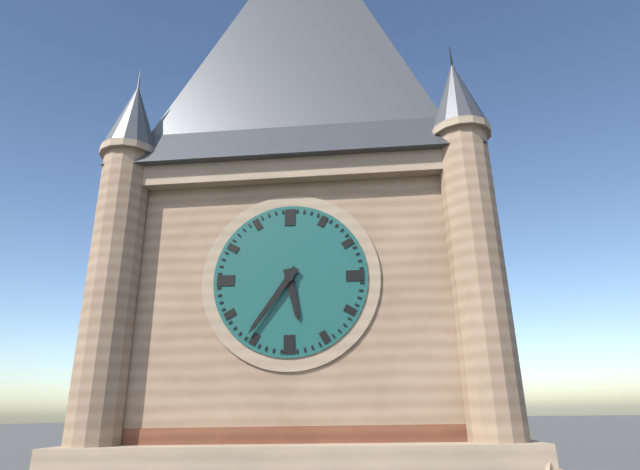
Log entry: {"hour": 5, "minute": 36}
